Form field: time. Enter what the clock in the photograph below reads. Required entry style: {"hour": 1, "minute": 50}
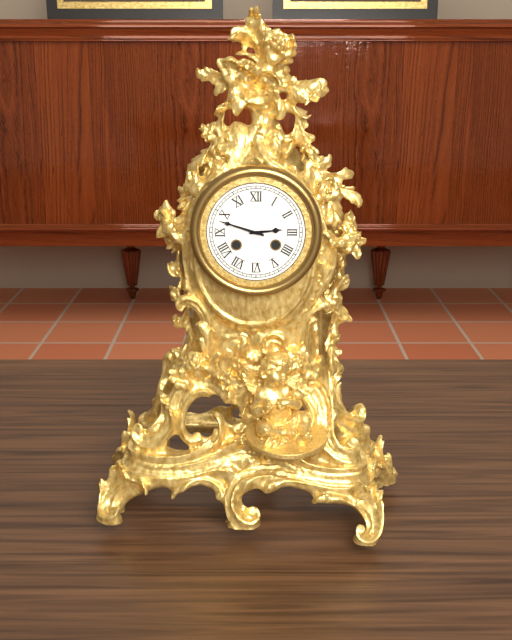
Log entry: {"hour": 2, "minute": 48}
